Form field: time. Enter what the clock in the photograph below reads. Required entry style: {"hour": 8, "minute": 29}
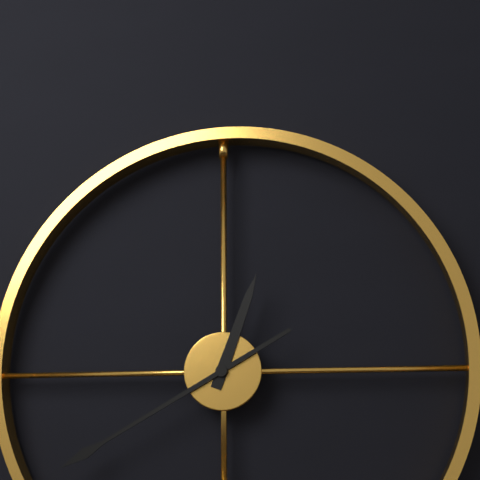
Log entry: {"hour": 12, "minute": 40}
